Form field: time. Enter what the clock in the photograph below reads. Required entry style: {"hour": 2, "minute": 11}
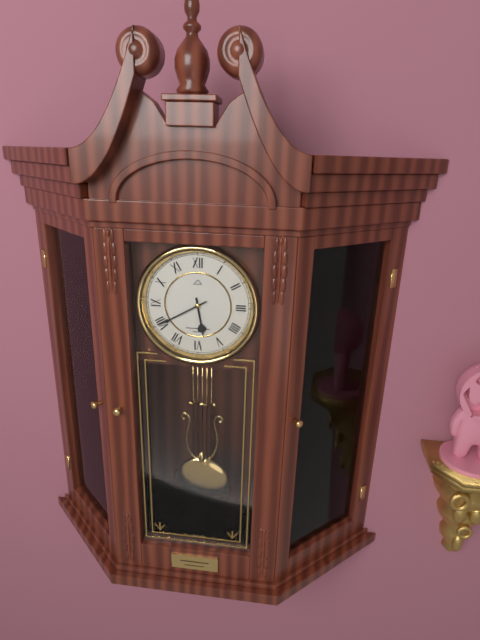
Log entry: {"hour": 5, "minute": 40}
